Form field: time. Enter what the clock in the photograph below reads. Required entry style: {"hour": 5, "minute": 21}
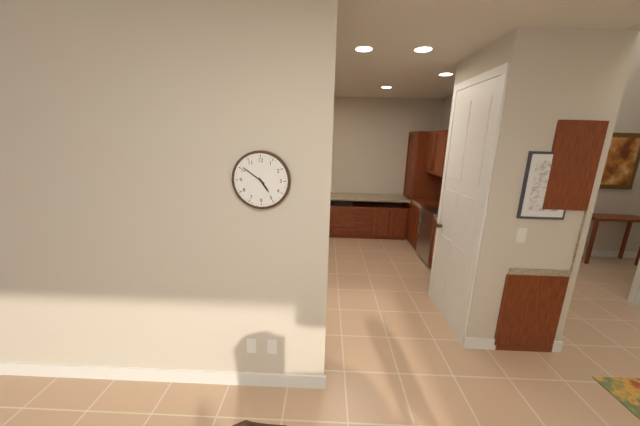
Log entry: {"hour": 4, "minute": 51}
